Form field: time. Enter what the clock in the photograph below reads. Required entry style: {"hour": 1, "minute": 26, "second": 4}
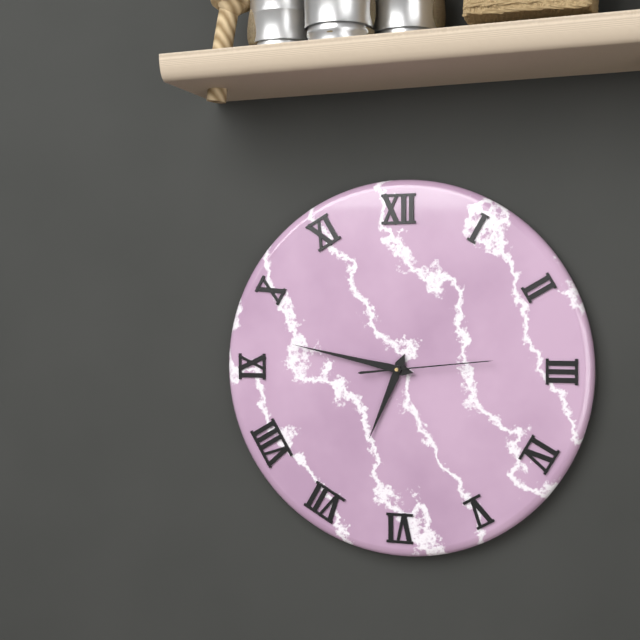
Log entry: {"hour": 6, "minute": 47, "second": 14}
